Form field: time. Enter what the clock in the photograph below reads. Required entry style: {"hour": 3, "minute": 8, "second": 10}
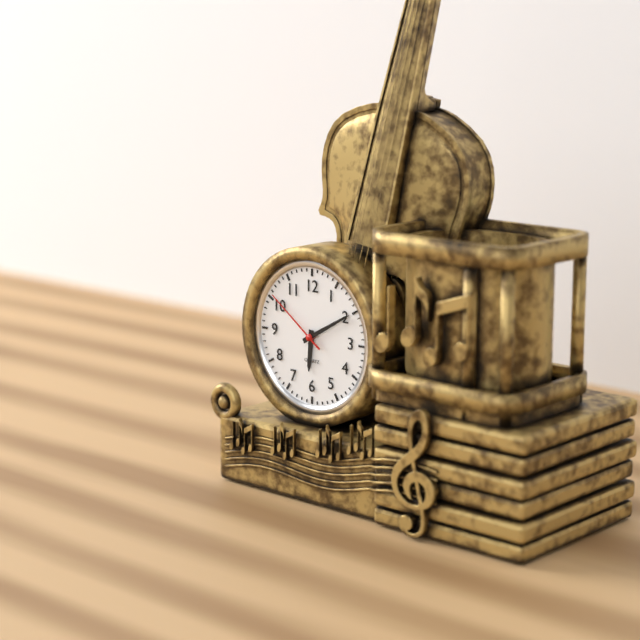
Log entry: {"hour": 6, "minute": 10, "second": 51}
